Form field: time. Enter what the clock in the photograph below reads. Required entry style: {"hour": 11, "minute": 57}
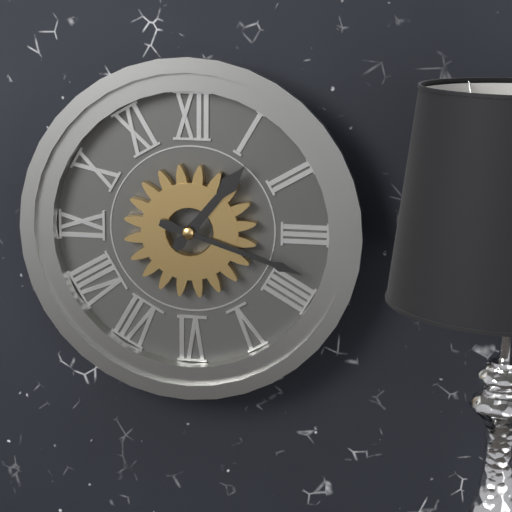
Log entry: {"hour": 1, "minute": 18}
